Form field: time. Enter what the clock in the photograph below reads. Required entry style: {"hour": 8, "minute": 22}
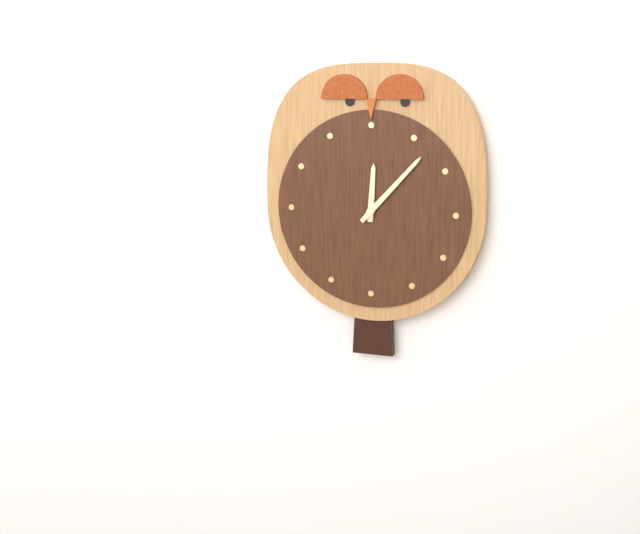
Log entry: {"hour": 12, "minute": 7}
